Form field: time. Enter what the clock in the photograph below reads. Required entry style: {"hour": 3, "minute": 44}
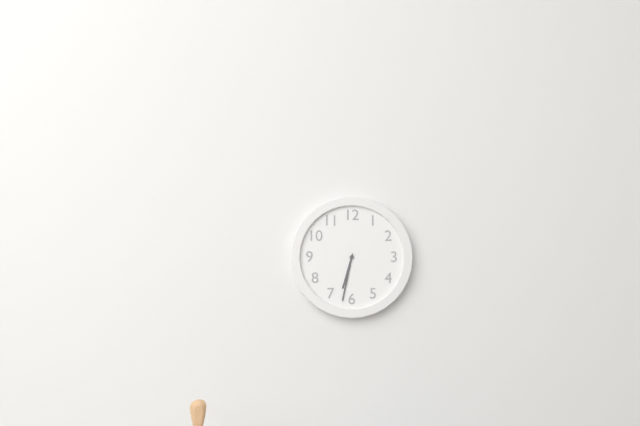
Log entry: {"hour": 6, "minute": 32}
